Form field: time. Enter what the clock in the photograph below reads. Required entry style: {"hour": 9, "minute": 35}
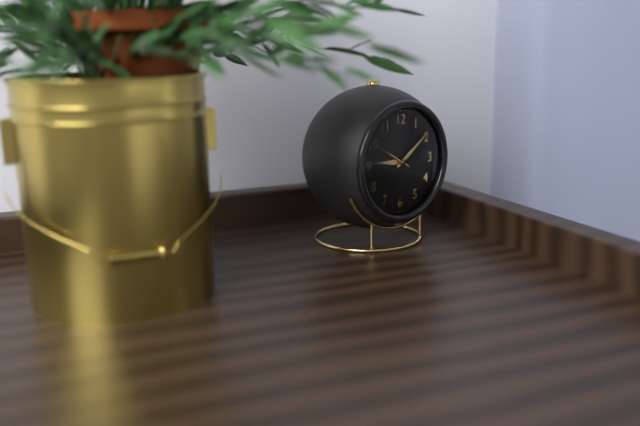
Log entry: {"hour": 9, "minute": 9}
